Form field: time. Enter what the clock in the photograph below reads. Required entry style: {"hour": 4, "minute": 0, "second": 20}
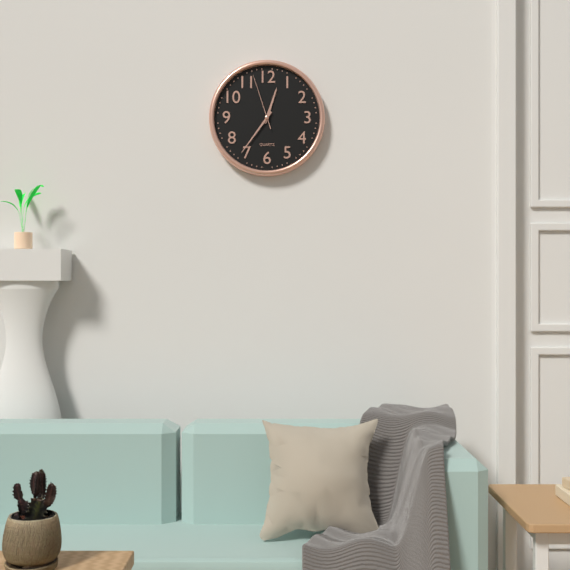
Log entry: {"hour": 12, "minute": 36, "second": 57}
